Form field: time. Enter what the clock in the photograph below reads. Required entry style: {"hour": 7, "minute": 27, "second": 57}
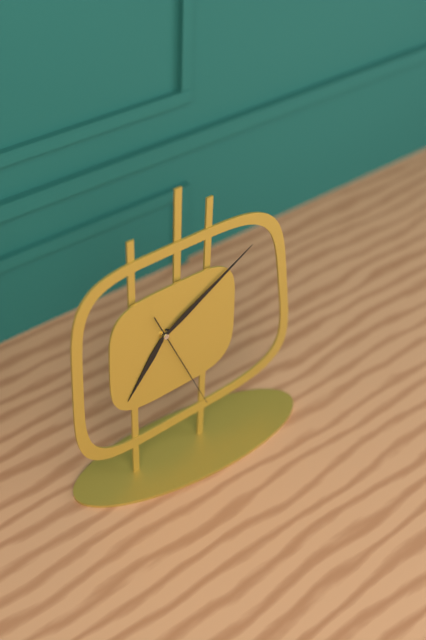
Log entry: {"hour": 7, "minute": 10, "second": 26}
